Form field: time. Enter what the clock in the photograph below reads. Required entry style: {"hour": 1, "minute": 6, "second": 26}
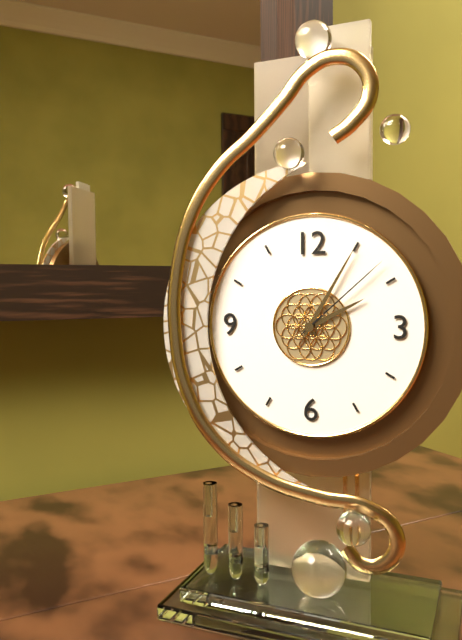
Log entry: {"hour": 2, "minute": 5, "second": 8}
